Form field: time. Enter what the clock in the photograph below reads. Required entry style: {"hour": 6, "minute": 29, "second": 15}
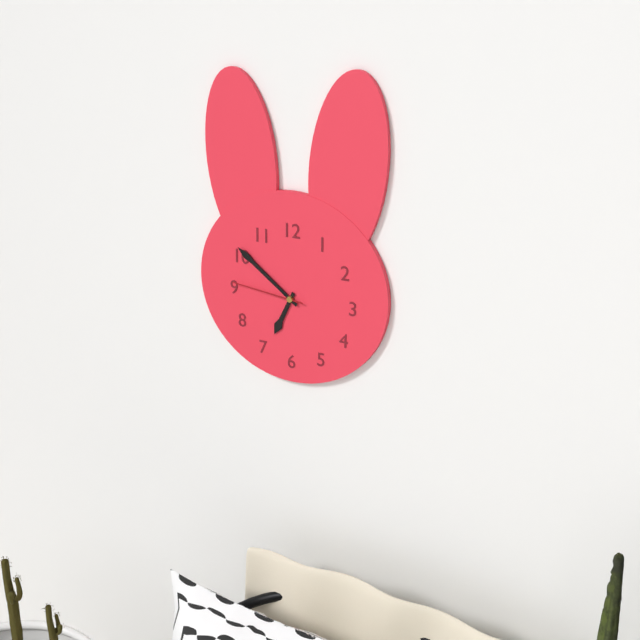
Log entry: {"hour": 6, "minute": 51, "second": 46}
